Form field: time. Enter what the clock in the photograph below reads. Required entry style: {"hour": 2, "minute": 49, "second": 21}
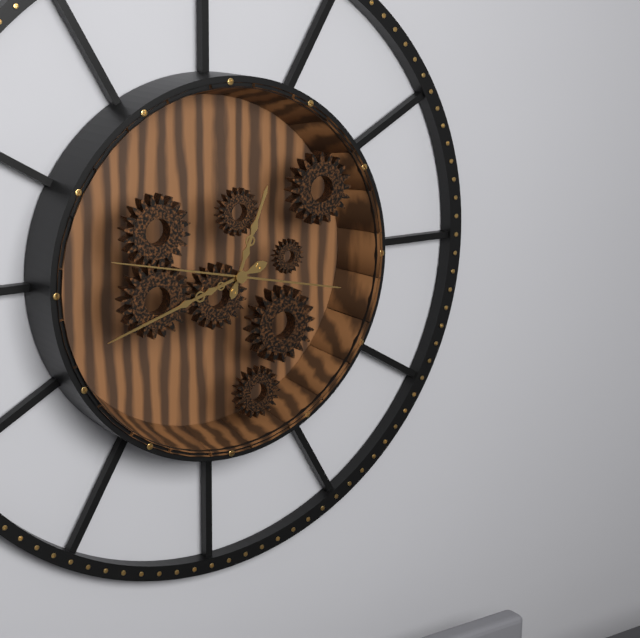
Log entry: {"hour": 12, "minute": 42, "second": 47}
